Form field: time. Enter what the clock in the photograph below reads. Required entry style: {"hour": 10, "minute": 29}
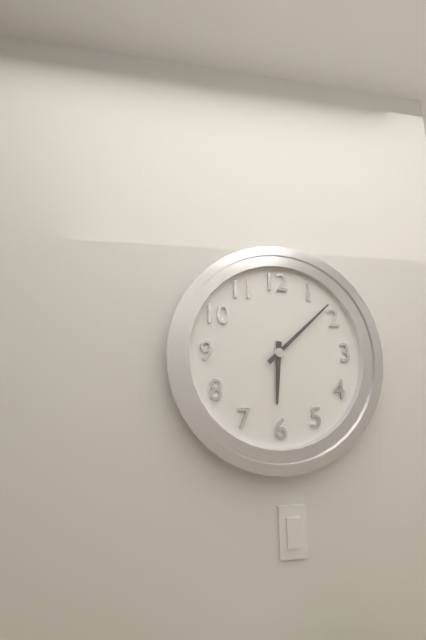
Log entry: {"hour": 6, "minute": 8}
